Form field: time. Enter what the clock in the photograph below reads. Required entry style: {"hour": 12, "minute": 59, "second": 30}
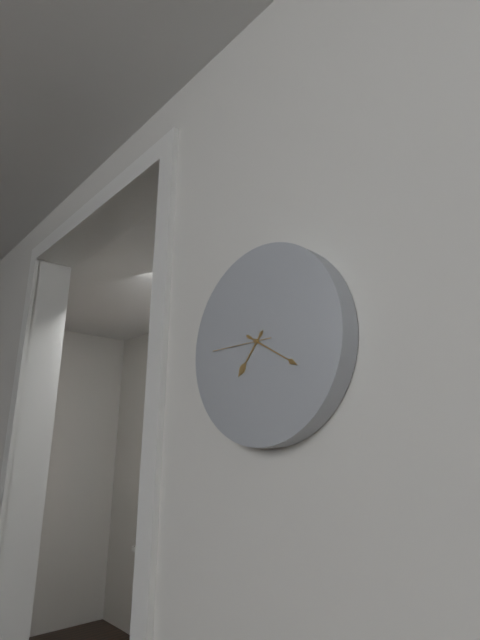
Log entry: {"hour": 7, "minute": 20, "second": 45}
